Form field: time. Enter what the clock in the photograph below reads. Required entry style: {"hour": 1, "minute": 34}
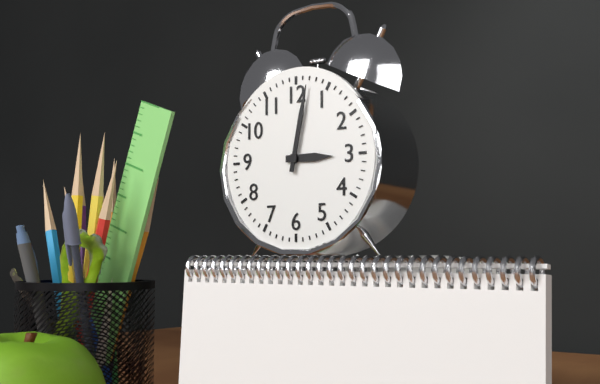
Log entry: {"hour": 3, "minute": 2}
